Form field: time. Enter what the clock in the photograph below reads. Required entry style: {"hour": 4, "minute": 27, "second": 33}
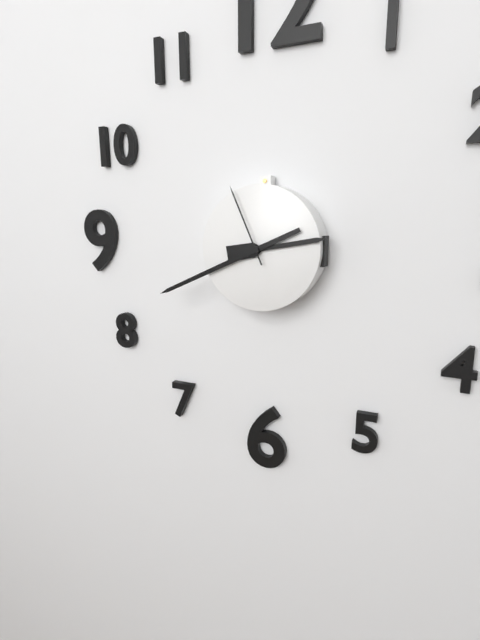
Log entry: {"hour": 2, "minute": 41, "second": 56}
